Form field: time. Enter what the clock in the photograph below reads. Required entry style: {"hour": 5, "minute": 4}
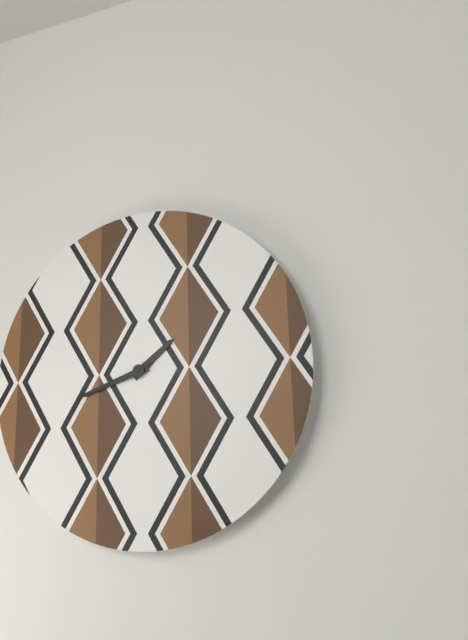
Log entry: {"hour": 1, "minute": 42}
